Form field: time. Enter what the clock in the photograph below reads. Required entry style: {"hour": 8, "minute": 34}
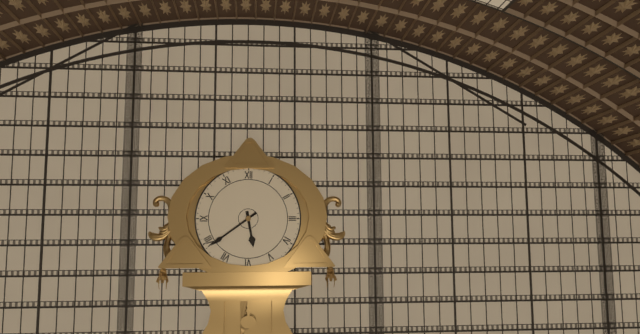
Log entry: {"hour": 5, "minute": 39}
